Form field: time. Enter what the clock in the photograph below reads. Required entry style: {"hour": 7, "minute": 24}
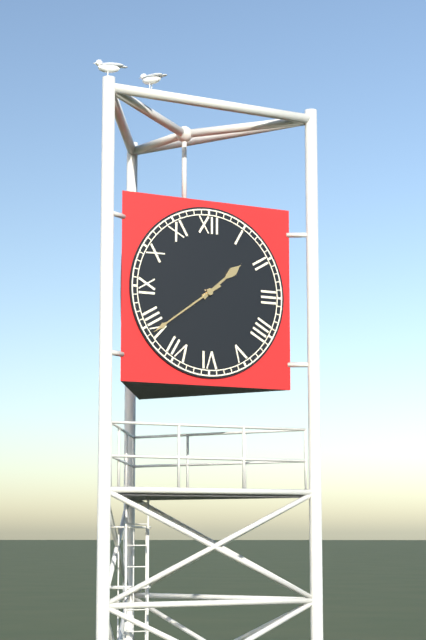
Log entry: {"hour": 1, "minute": 39}
